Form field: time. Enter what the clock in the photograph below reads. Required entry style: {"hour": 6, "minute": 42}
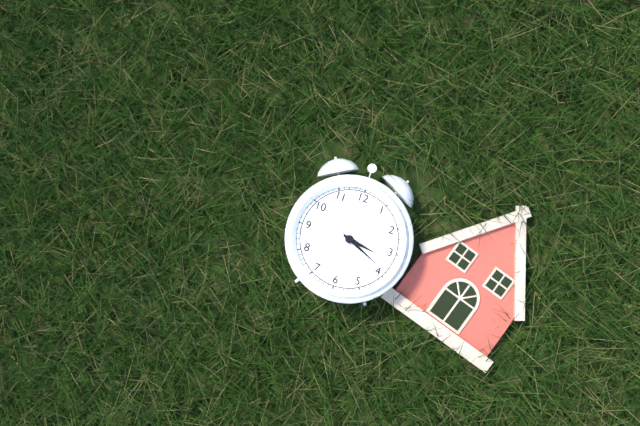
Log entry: {"hour": 3, "minute": 19}
